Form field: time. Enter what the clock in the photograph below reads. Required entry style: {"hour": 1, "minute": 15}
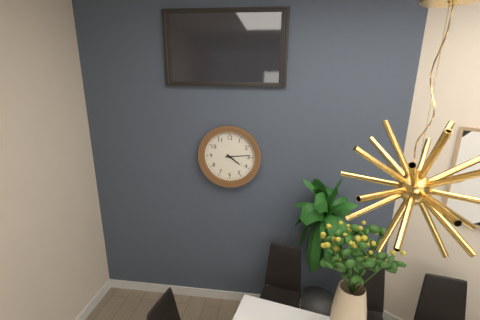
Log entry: {"hour": 4, "minute": 14}
